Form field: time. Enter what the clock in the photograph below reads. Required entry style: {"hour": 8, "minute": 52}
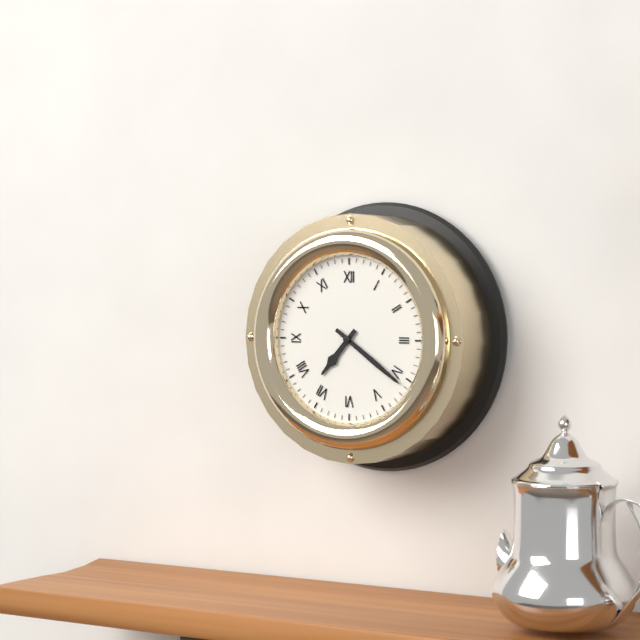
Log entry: {"hour": 7, "minute": 21}
